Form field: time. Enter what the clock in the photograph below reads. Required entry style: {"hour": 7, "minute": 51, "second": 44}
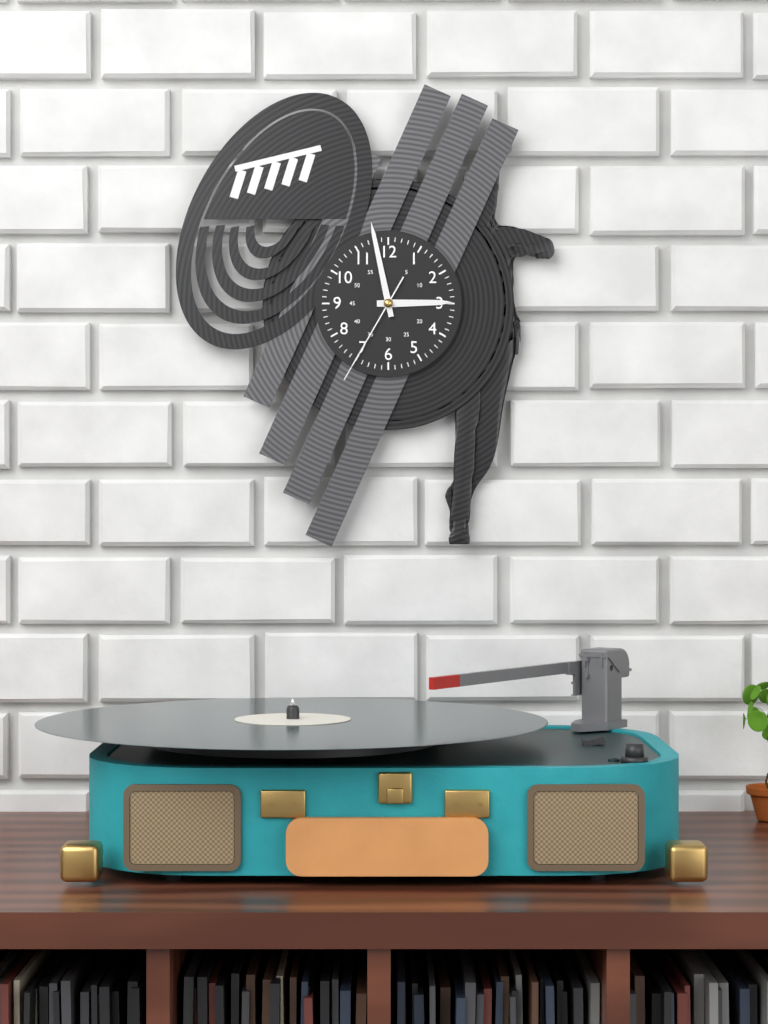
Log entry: {"hour": 2, "minute": 58, "second": 35}
